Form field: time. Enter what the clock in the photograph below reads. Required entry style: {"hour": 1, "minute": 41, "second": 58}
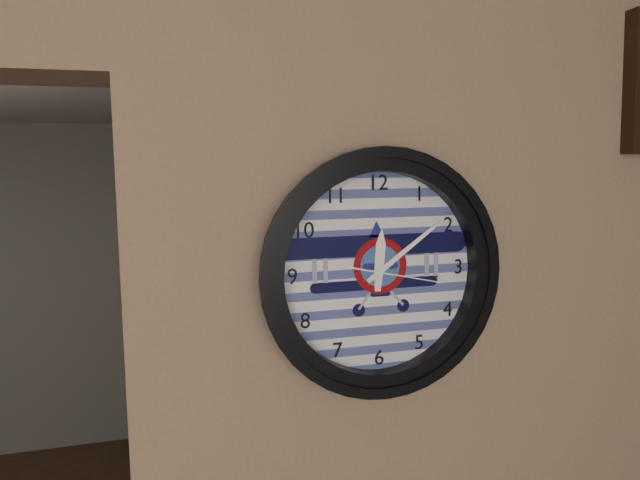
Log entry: {"hour": 12, "minute": 9, "second": 17}
